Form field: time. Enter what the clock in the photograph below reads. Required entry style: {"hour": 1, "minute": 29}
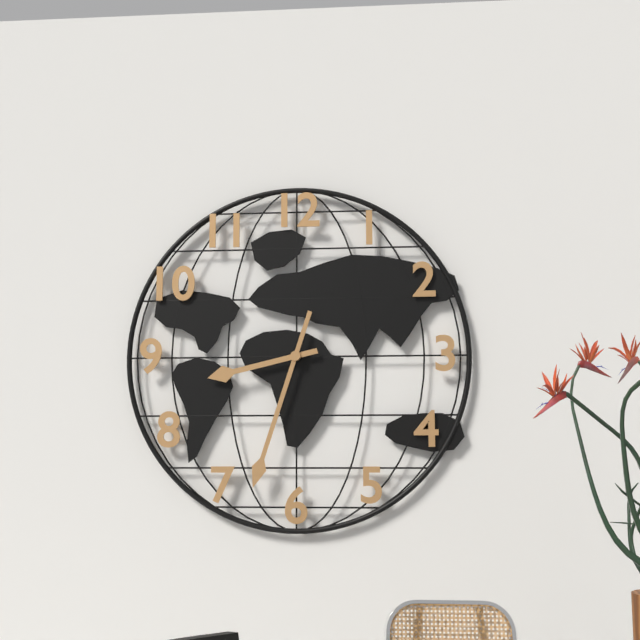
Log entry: {"hour": 8, "minute": 33}
